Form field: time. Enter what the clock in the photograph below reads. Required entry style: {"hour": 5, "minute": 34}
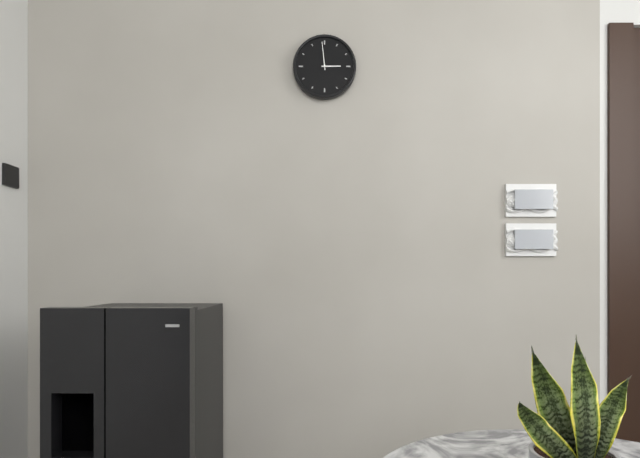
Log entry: {"hour": 2, "minute": 59}
